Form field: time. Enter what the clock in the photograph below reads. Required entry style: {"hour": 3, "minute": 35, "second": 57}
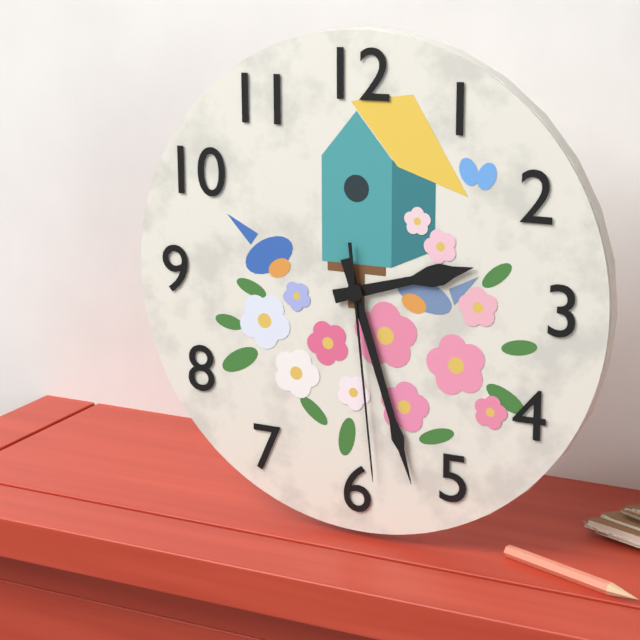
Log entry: {"hour": 2, "minute": 27, "second": 29}
